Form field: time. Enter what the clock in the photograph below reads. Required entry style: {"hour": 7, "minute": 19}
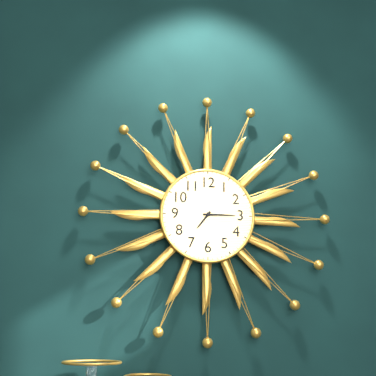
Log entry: {"hour": 7, "minute": 15}
